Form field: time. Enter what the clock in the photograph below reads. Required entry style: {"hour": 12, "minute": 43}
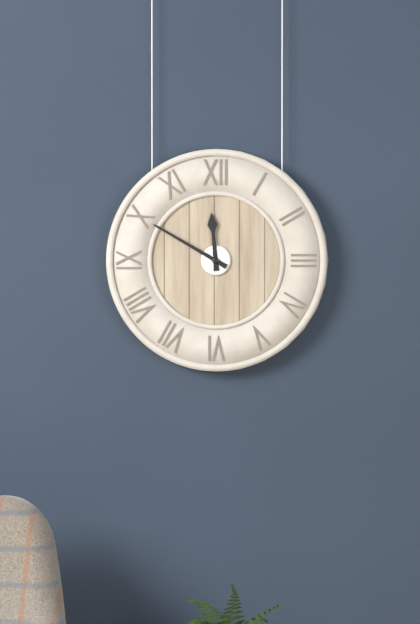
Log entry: {"hour": 11, "minute": 50}
